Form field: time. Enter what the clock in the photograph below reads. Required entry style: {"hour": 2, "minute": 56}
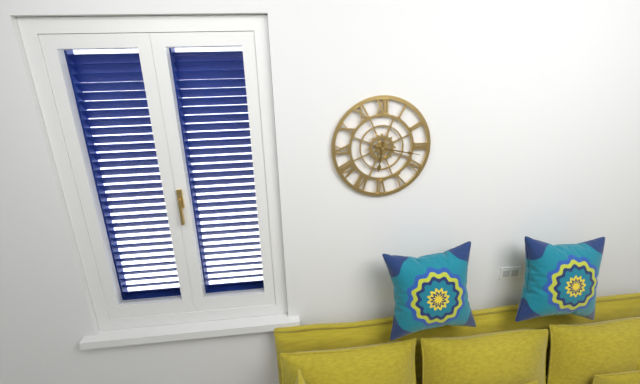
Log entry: {"hour": 6, "minute": 17}
